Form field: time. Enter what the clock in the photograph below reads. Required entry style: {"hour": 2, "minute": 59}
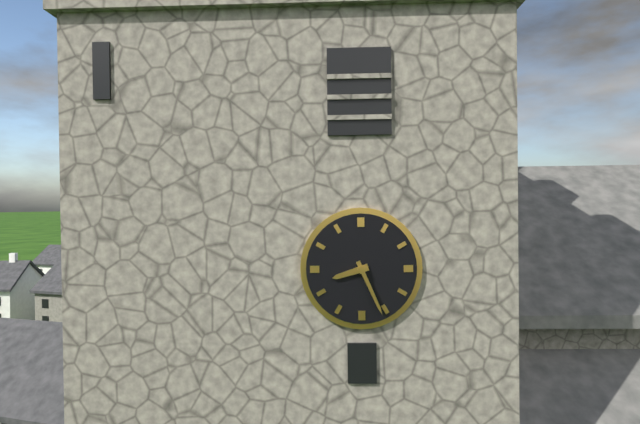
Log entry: {"hour": 8, "minute": 26}
